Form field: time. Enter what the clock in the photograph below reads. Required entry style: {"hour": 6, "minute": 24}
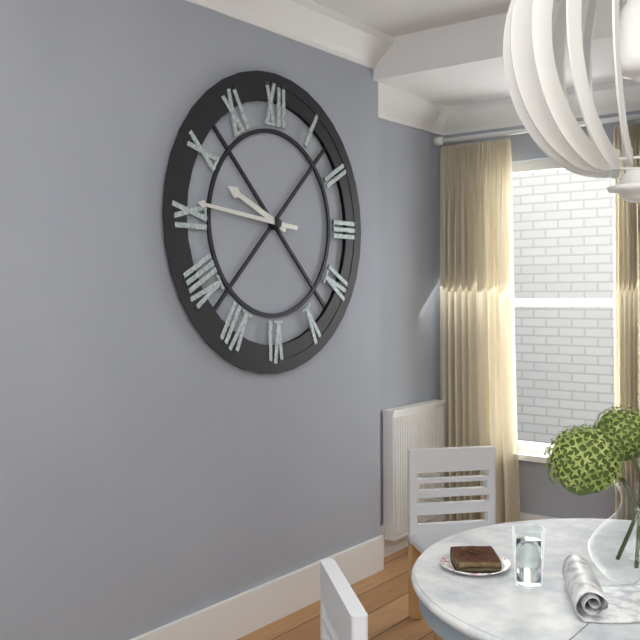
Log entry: {"hour": 9, "minute": 46}
